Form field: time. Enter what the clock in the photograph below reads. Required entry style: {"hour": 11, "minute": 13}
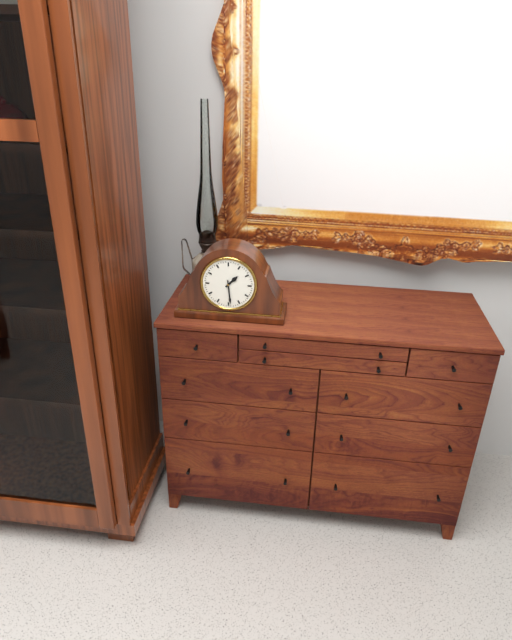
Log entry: {"hour": 1, "minute": 29}
